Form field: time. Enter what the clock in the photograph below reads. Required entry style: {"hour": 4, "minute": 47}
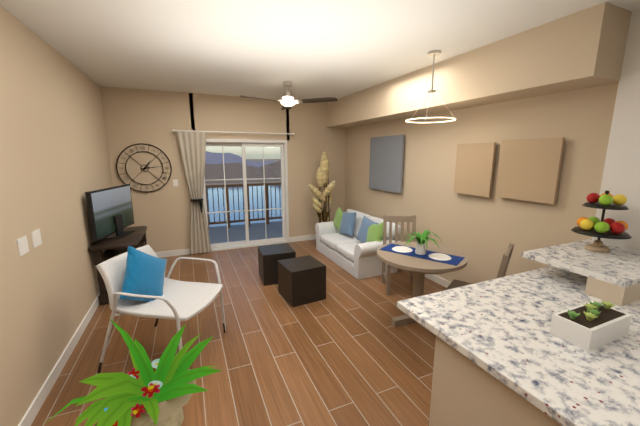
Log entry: {"hour": 1, "minute": 14}
